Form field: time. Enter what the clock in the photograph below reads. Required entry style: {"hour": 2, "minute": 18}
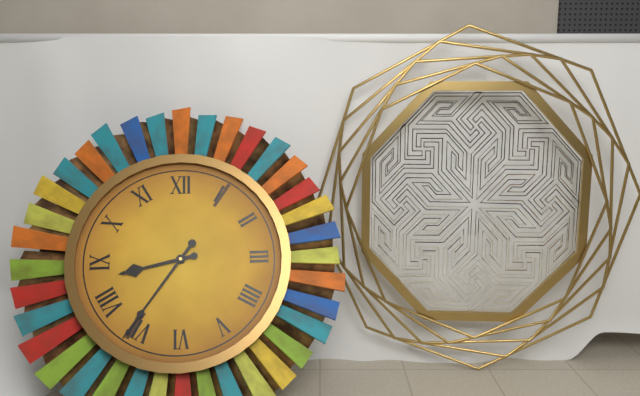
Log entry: {"hour": 8, "minute": 36}
